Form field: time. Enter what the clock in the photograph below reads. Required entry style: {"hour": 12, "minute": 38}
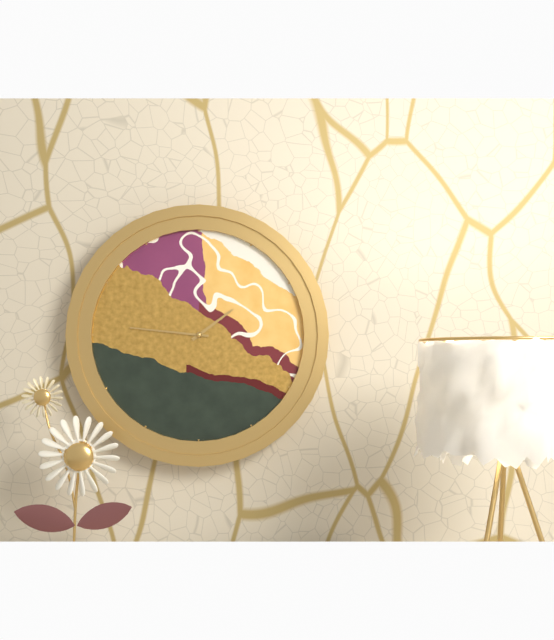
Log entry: {"hour": 1, "minute": 46}
